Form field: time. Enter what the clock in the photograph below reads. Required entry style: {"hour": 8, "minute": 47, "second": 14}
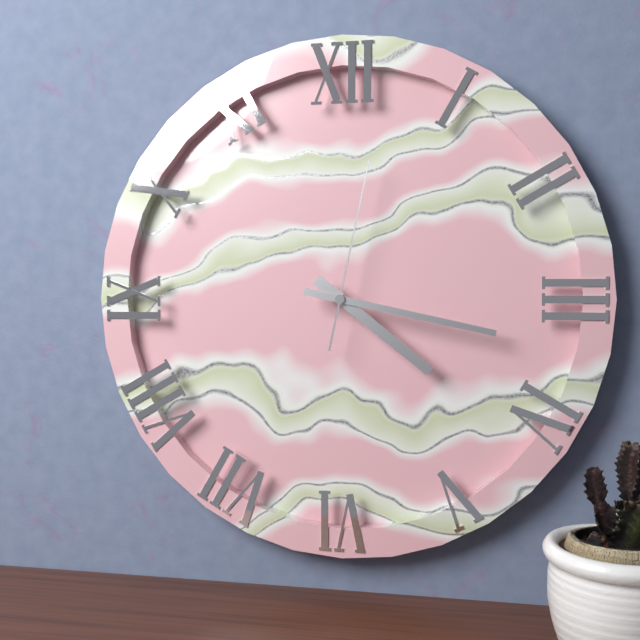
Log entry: {"hour": 4, "minute": 17, "second": 2}
